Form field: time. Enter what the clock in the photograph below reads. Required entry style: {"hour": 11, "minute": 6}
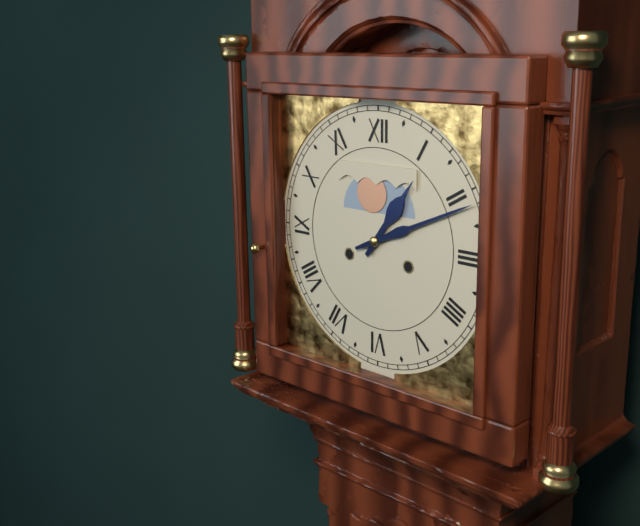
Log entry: {"hour": 1, "minute": 11}
